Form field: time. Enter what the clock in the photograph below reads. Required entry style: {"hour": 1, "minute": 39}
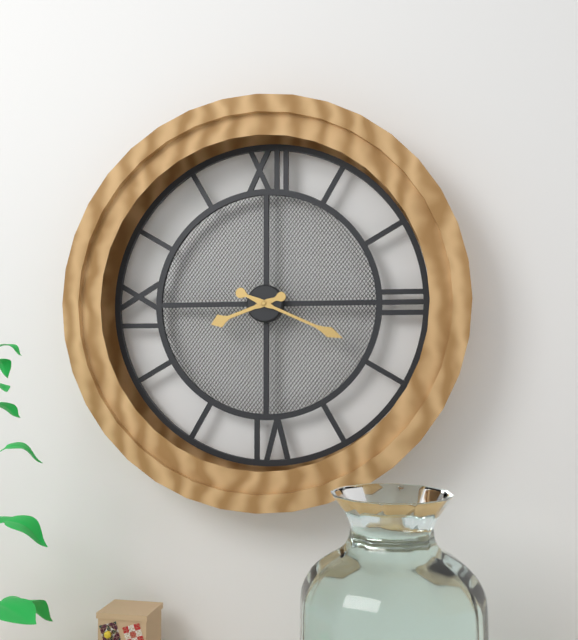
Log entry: {"hour": 8, "minute": 19}
